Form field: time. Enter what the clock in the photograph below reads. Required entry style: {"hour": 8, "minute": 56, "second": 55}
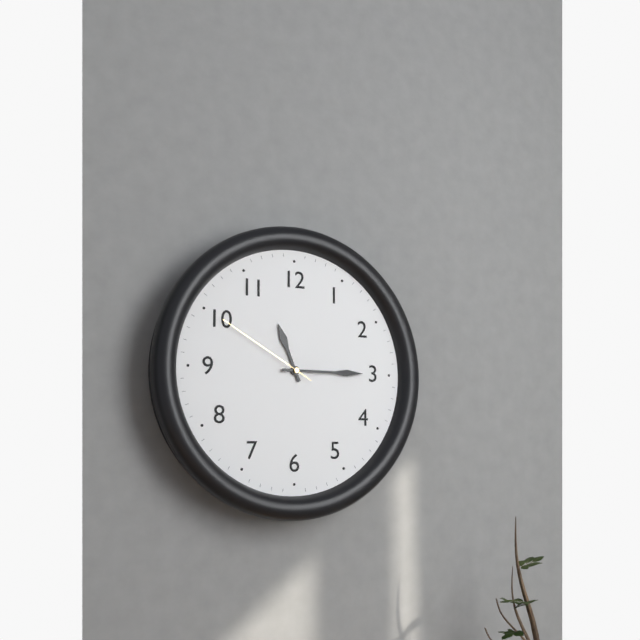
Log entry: {"hour": 11, "minute": 15, "second": 50}
